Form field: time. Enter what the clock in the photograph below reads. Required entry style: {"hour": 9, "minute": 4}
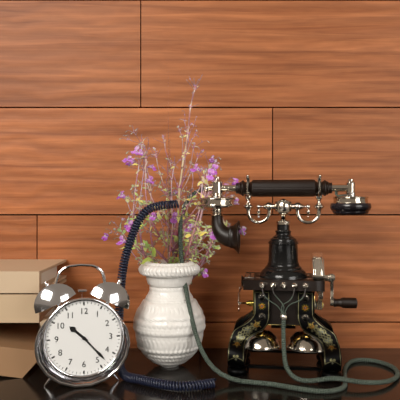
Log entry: {"hour": 10, "minute": 23}
